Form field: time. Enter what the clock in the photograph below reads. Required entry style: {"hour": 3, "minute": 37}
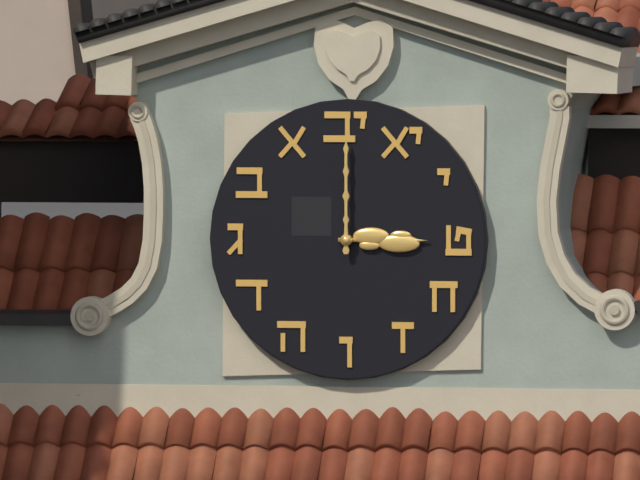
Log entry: {"hour": 3, "minute": 0}
